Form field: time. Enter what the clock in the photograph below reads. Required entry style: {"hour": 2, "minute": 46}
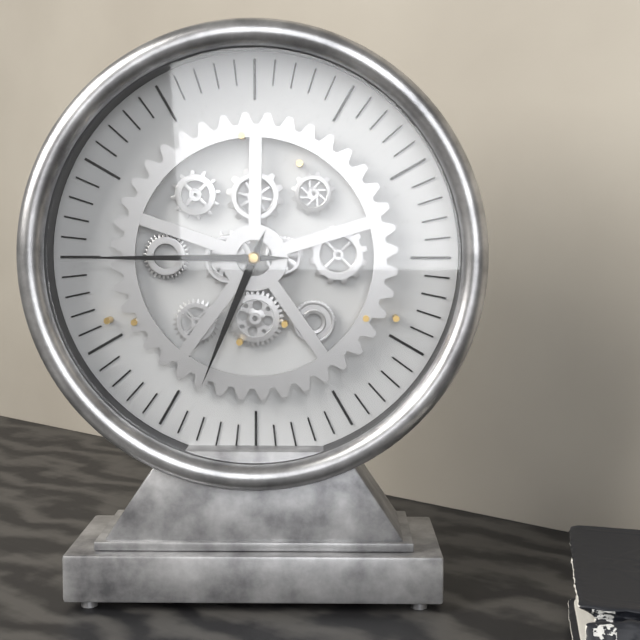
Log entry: {"hour": 6, "minute": 45}
